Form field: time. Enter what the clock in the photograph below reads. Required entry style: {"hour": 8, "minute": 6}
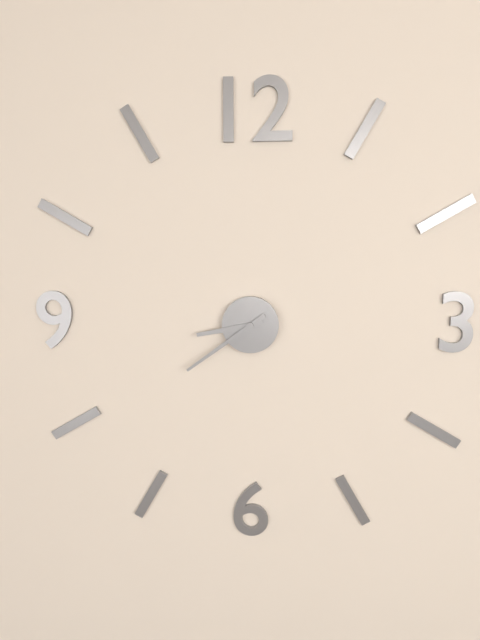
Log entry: {"hour": 8, "minute": 39}
